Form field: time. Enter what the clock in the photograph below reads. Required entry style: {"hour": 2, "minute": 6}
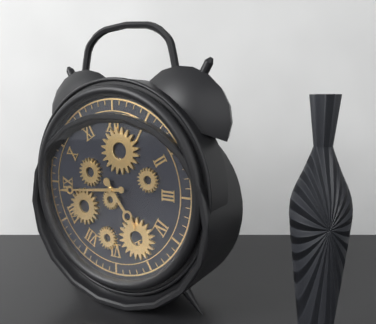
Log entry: {"hour": 4, "minute": 44}
